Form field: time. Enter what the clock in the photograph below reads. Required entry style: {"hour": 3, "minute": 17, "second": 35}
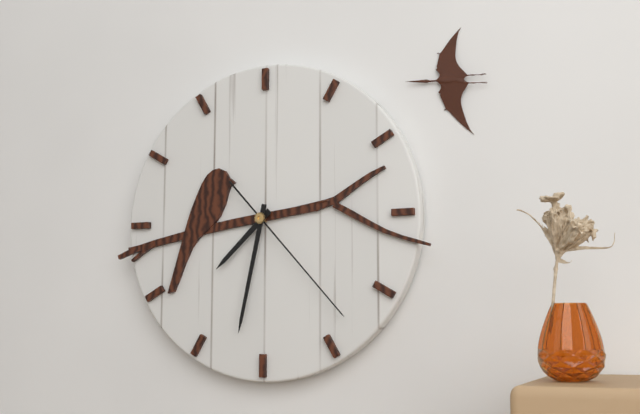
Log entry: {"hour": 7, "minute": 32, "second": 23}
